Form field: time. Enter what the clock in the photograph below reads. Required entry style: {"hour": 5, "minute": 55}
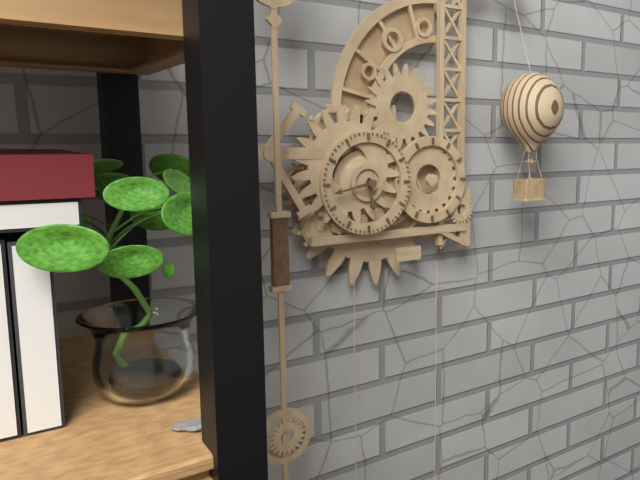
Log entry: {"hour": 5, "minute": 43}
